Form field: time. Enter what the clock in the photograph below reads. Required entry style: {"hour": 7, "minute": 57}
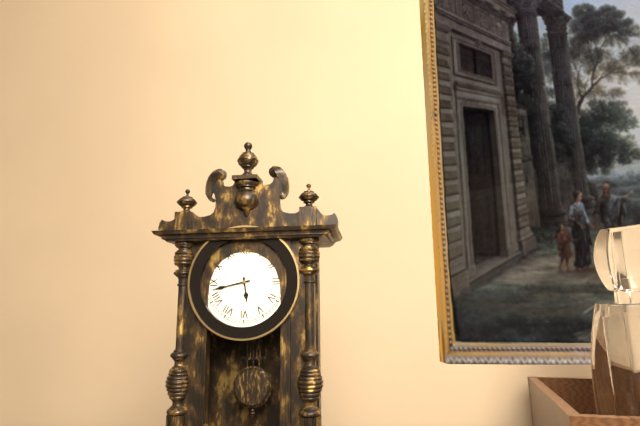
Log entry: {"hour": 5, "minute": 43}
